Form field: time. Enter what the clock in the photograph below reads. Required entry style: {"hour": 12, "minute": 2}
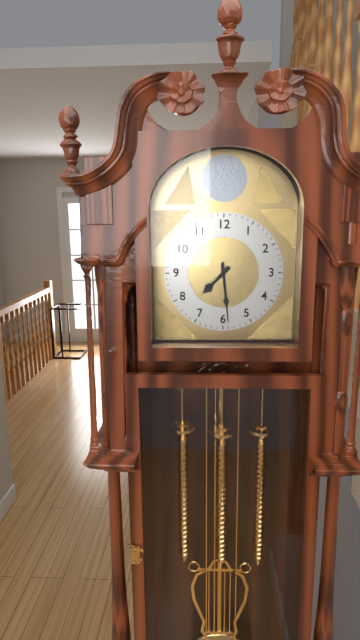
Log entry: {"hour": 7, "minute": 29}
